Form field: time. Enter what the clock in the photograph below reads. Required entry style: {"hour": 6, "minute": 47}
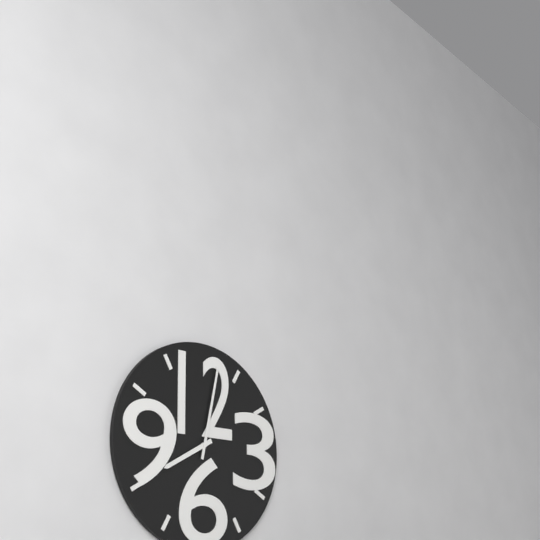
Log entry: {"hour": 8, "minute": 2}
